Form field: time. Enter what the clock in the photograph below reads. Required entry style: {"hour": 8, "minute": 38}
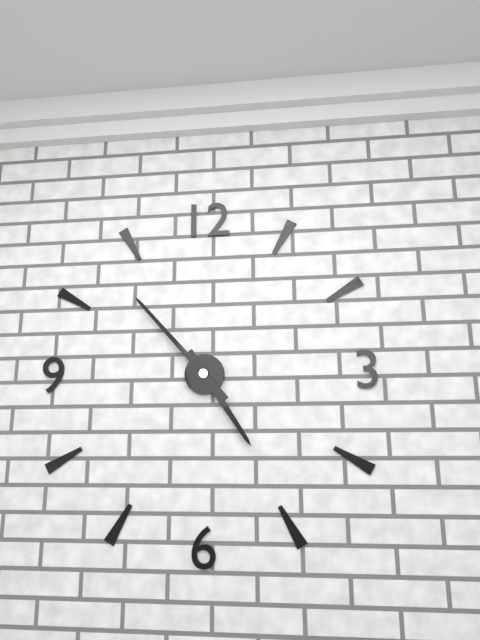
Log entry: {"hour": 4, "minute": 53}
